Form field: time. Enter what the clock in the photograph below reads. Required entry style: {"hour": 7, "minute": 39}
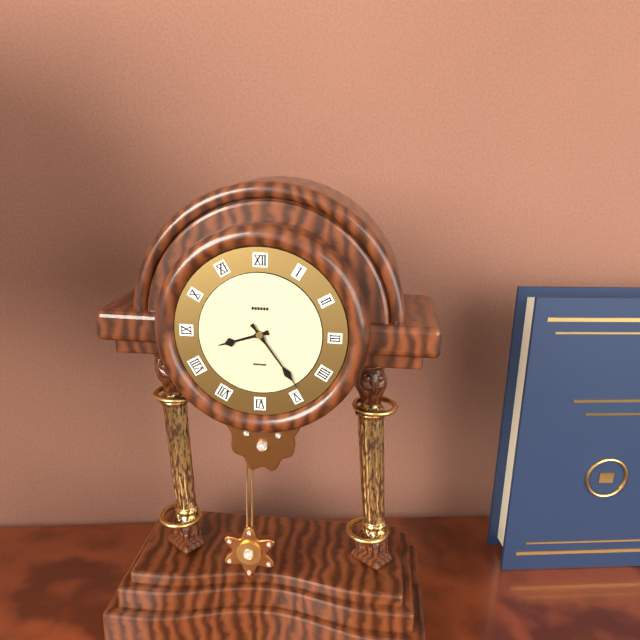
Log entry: {"hour": 8, "minute": 24}
